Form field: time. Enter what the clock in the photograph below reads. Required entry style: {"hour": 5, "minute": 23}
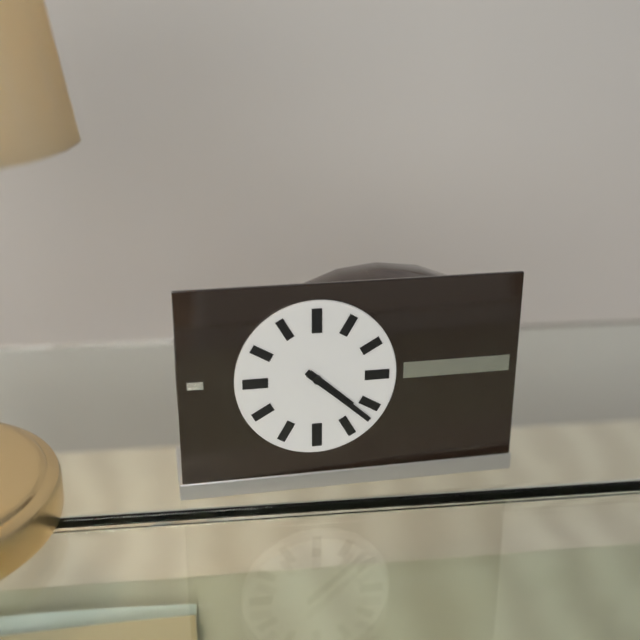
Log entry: {"hour": 4, "minute": 22}
